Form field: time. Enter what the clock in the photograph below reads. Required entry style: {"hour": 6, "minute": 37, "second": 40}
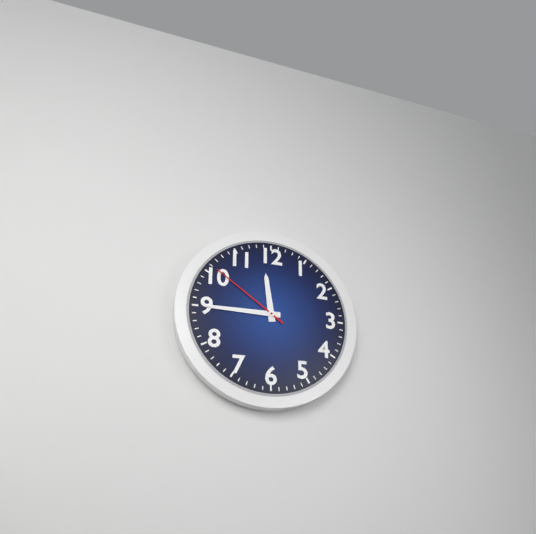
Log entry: {"hour": 11, "minute": 45, "second": 51}
